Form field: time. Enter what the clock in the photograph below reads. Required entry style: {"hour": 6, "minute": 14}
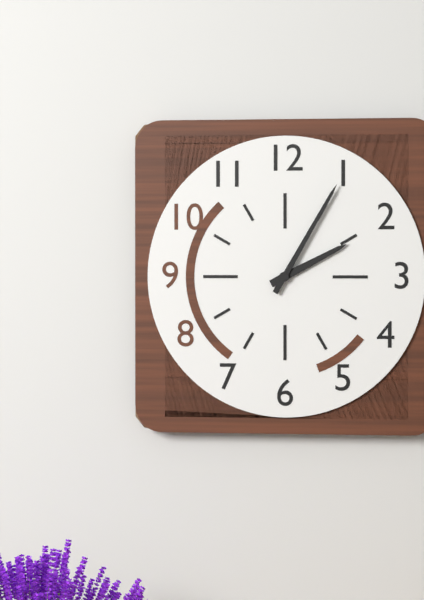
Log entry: {"hour": 2, "minute": 5}
